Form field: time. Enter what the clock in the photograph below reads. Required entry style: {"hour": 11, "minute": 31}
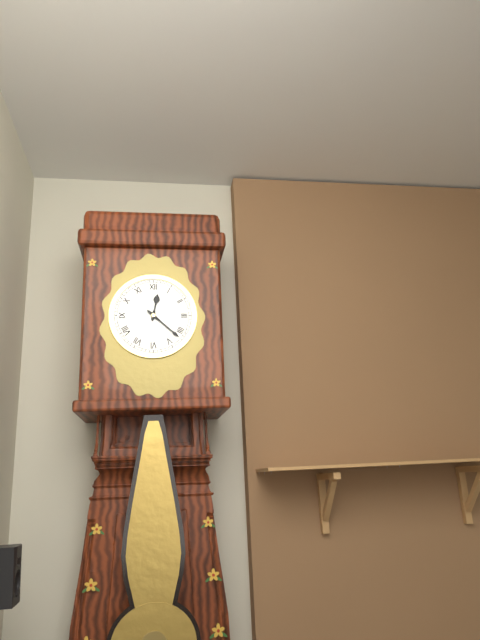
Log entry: {"hour": 12, "minute": 22}
